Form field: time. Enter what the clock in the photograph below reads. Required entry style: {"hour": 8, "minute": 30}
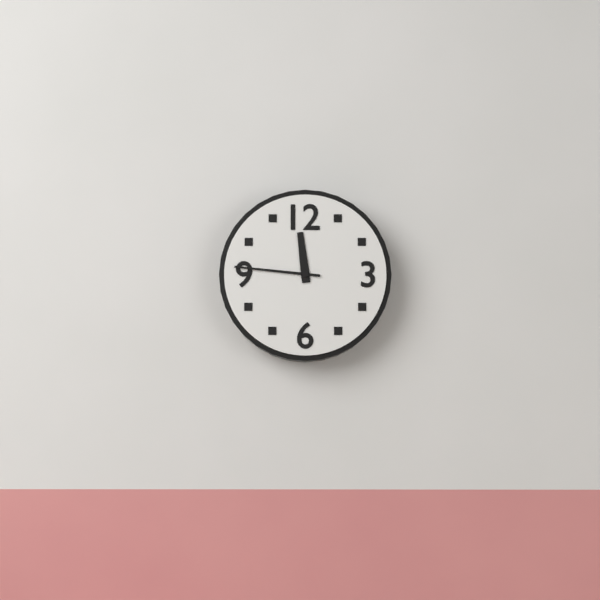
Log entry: {"hour": 11, "minute": 46}
